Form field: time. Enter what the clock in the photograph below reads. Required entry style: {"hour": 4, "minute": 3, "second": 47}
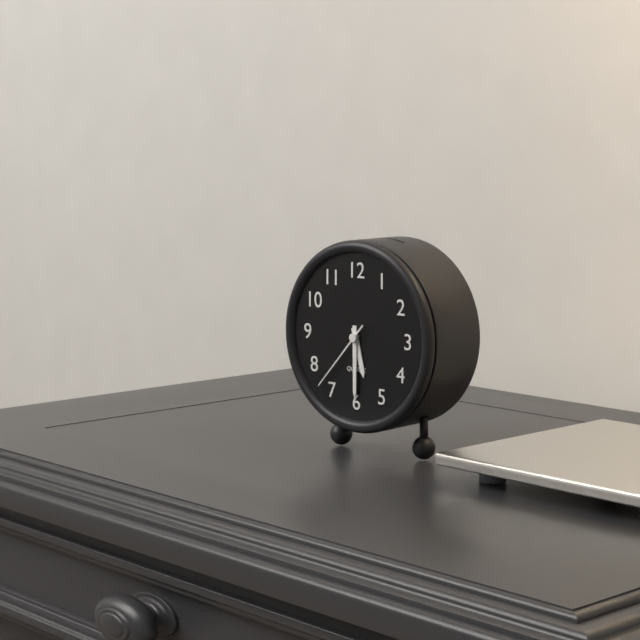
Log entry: {"hour": 5, "minute": 30, "second": 37}
